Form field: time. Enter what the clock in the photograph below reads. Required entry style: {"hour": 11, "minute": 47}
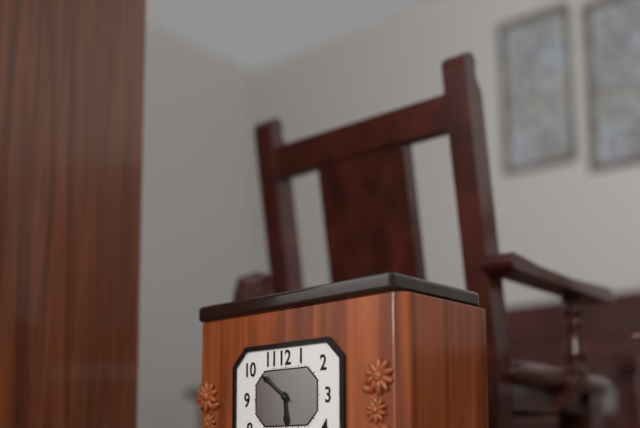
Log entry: {"hour": 5, "minute": 51}
